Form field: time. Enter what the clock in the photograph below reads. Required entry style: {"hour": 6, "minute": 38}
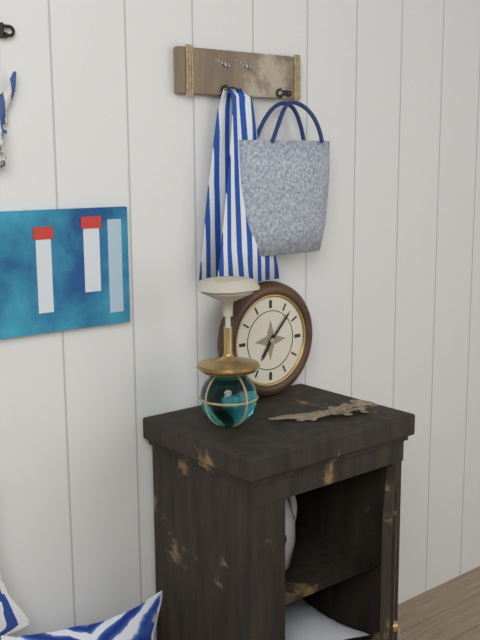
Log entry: {"hour": 7, "minute": 7}
